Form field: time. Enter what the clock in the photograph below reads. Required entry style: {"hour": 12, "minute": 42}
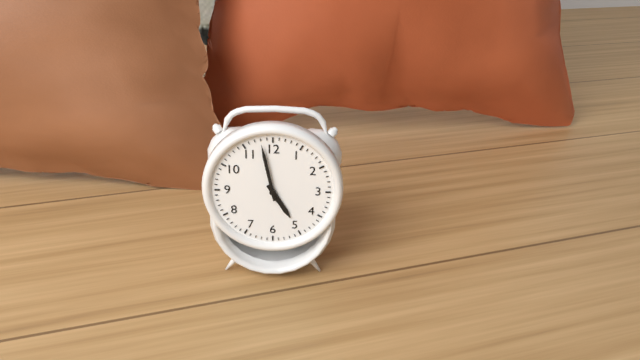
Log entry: {"hour": 4, "minute": 58}
